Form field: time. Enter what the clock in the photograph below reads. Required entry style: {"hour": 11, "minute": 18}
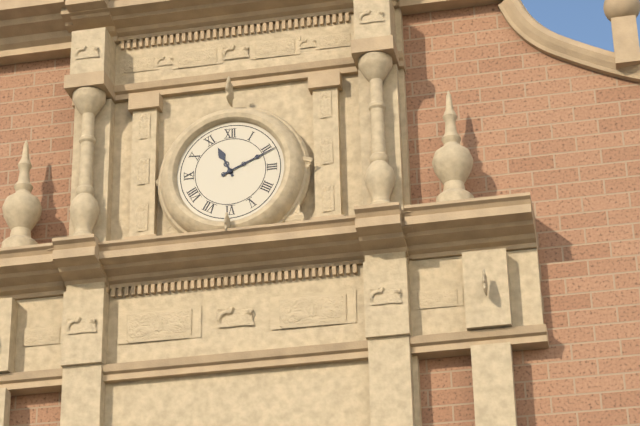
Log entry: {"hour": 11, "minute": 11}
